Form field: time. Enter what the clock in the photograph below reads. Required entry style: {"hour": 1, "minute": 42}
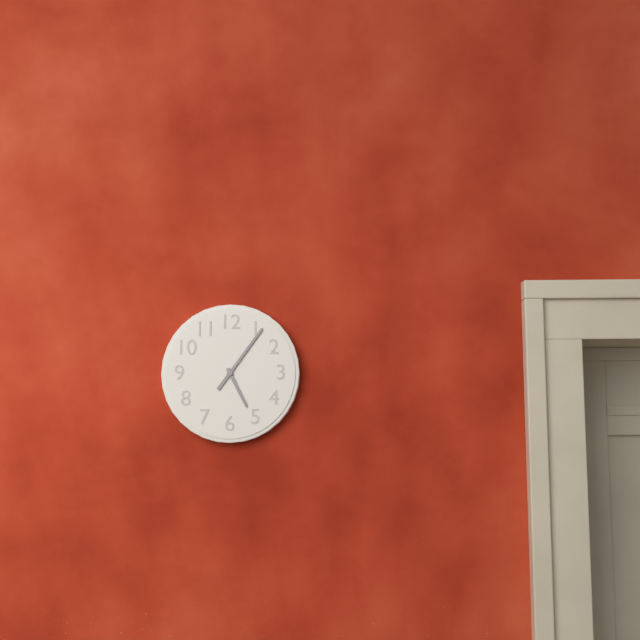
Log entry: {"hour": 5, "minute": 6}
